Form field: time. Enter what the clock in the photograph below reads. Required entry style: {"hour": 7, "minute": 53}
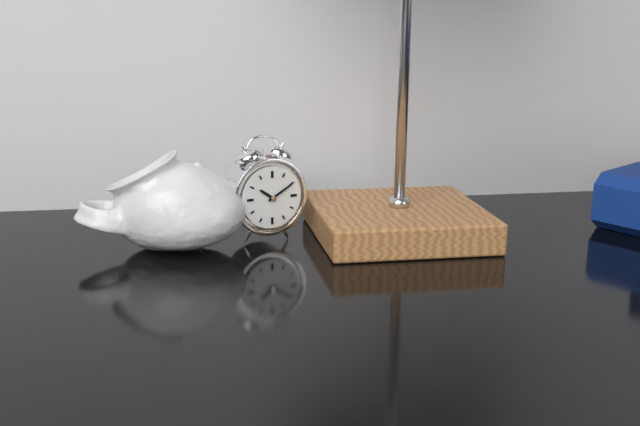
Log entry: {"hour": 10, "minute": 10}
